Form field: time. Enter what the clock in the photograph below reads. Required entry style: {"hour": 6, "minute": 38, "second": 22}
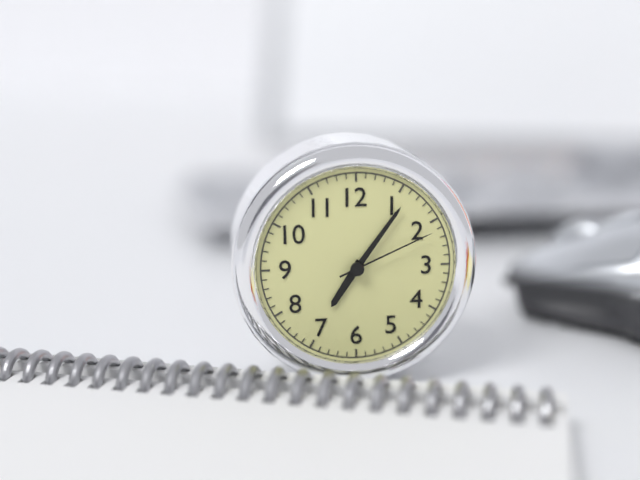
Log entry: {"hour": 7, "minute": 6, "second": 11}
